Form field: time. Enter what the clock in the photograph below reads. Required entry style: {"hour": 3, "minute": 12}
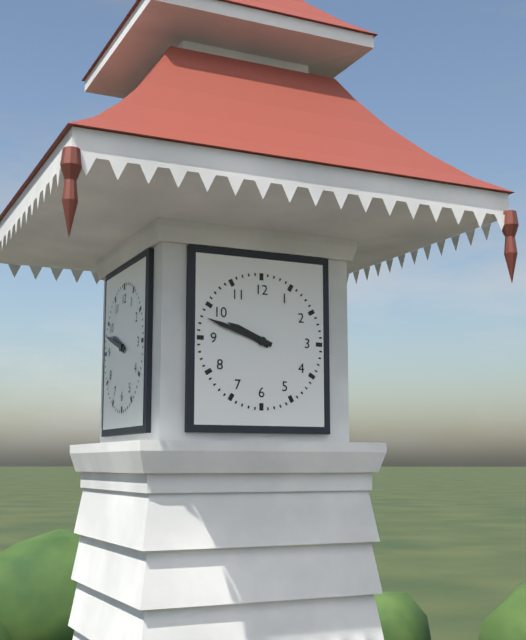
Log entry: {"hour": 9, "minute": 48}
